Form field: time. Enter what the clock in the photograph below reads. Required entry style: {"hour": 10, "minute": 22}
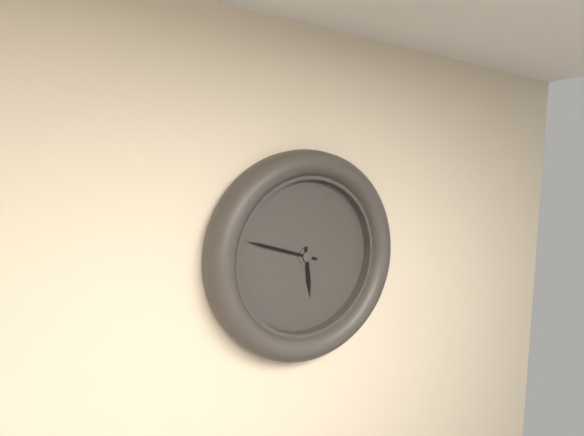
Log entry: {"hour": 5, "minute": 48}
